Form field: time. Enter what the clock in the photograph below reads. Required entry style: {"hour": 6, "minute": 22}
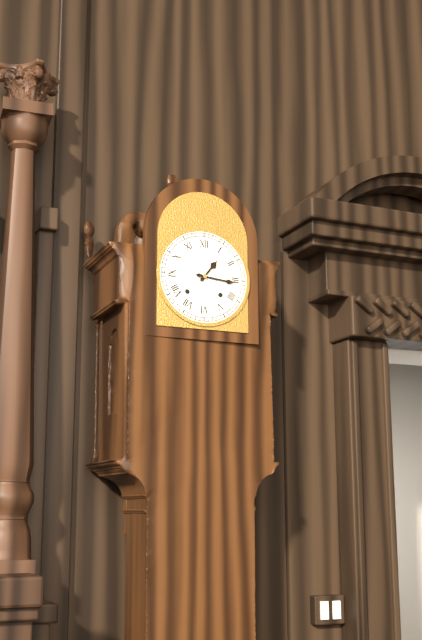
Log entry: {"hour": 1, "minute": 16}
